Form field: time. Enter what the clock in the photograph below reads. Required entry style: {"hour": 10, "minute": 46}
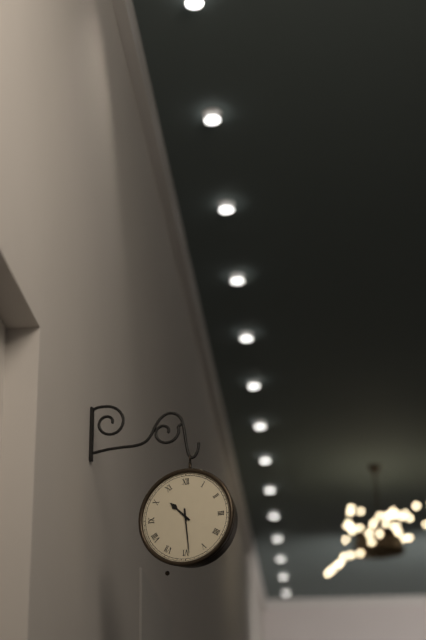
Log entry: {"hour": 10, "minute": 29}
